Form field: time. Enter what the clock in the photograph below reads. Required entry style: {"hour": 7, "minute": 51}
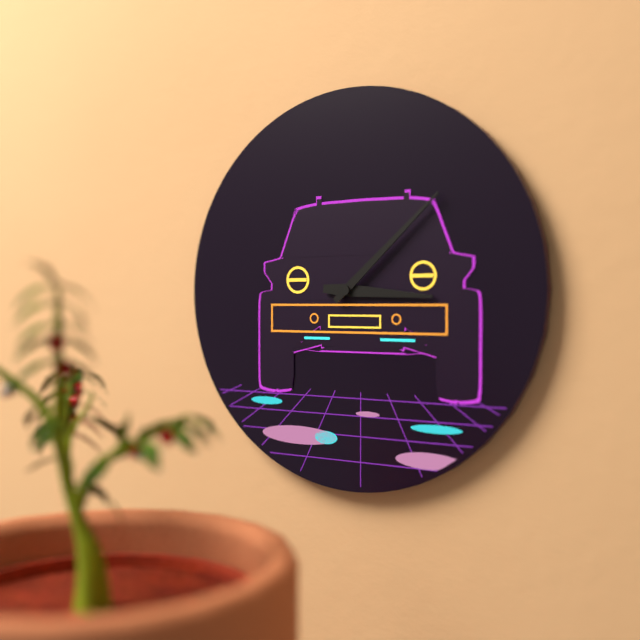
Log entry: {"hour": 3, "minute": 8}
